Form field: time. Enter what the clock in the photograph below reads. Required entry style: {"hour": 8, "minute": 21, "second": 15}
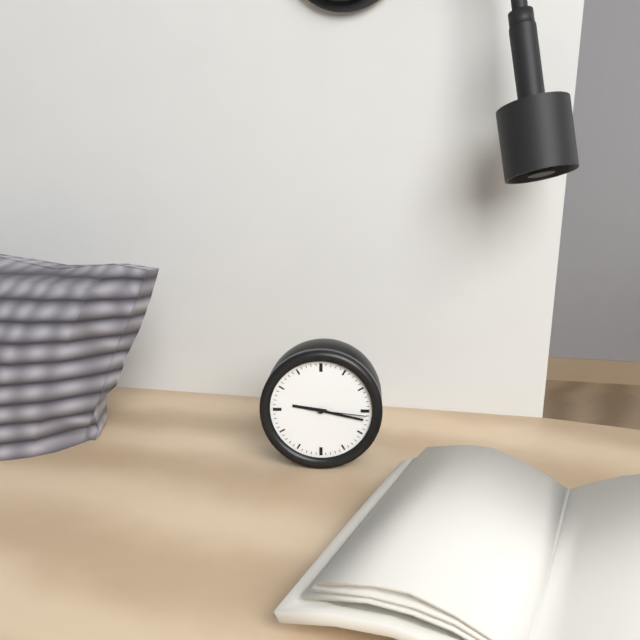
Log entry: {"hour": 9, "minute": 17, "second": 16}
